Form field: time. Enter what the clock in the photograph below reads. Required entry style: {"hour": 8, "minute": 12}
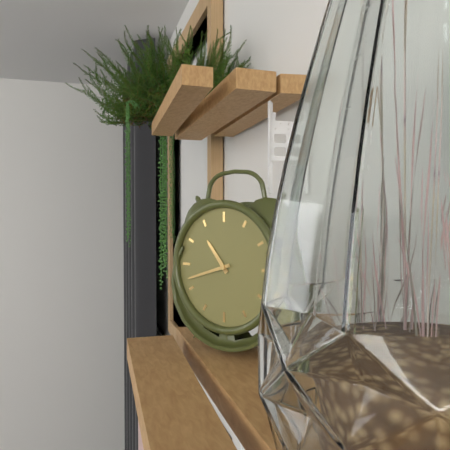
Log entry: {"hour": 10, "minute": 42}
